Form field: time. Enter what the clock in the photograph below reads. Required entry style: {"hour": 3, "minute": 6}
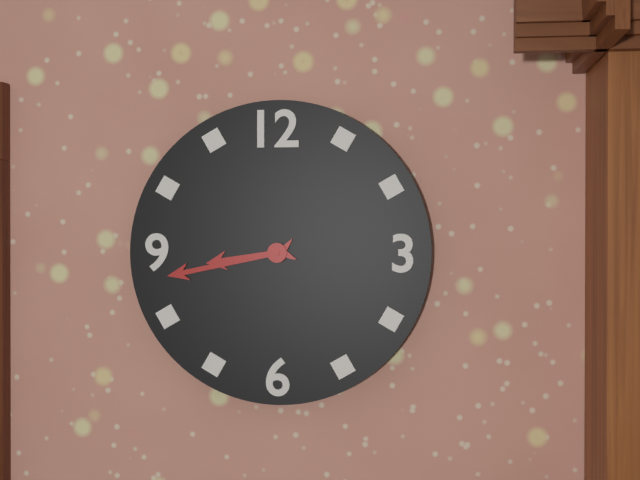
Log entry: {"hour": 8, "minute": 43}
